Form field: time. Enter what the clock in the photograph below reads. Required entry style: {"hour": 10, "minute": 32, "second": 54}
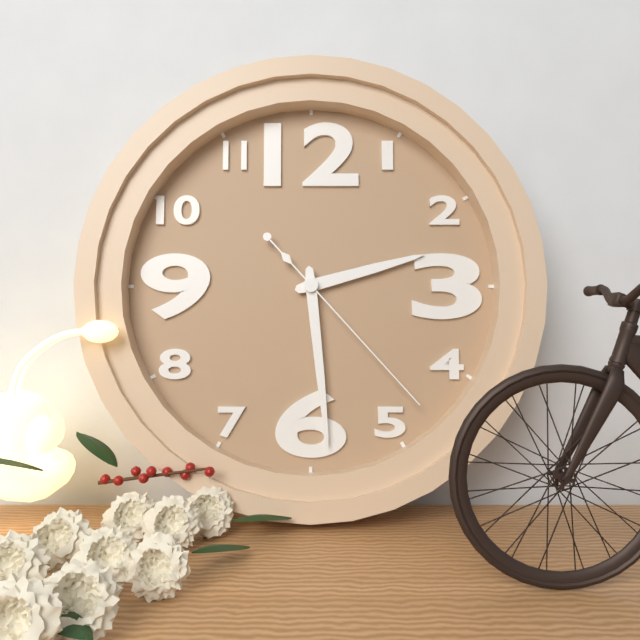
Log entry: {"hour": 2, "minute": 29, "second": 23}
